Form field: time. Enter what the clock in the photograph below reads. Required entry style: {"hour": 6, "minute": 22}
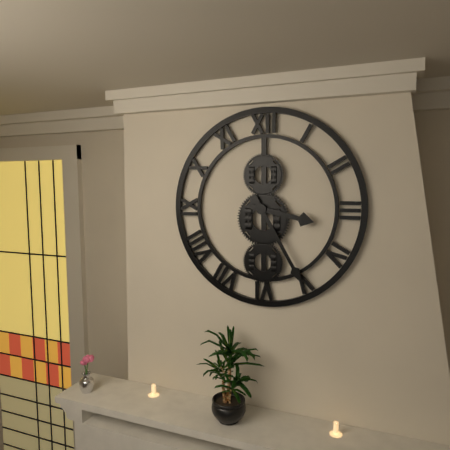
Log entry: {"hour": 3, "minute": 25}
